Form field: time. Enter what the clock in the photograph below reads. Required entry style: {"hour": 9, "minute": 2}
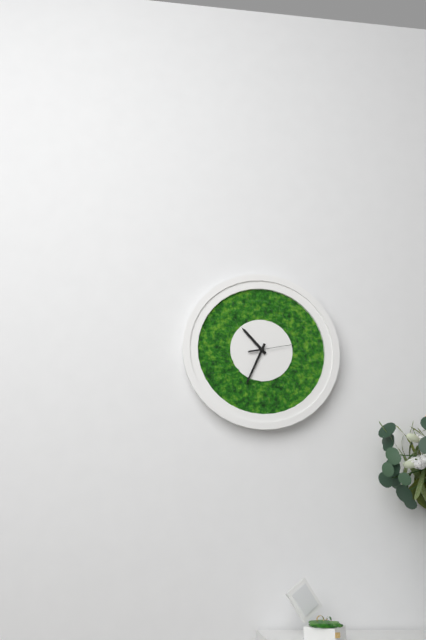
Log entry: {"hour": 10, "minute": 34}
